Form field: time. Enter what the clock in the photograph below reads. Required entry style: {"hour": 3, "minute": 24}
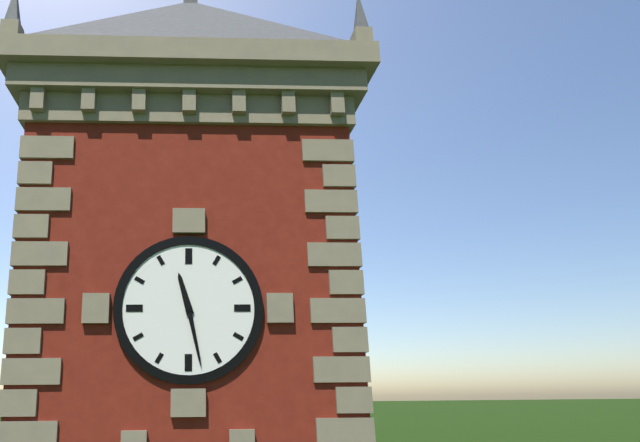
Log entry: {"hour": 11, "minute": 28}
